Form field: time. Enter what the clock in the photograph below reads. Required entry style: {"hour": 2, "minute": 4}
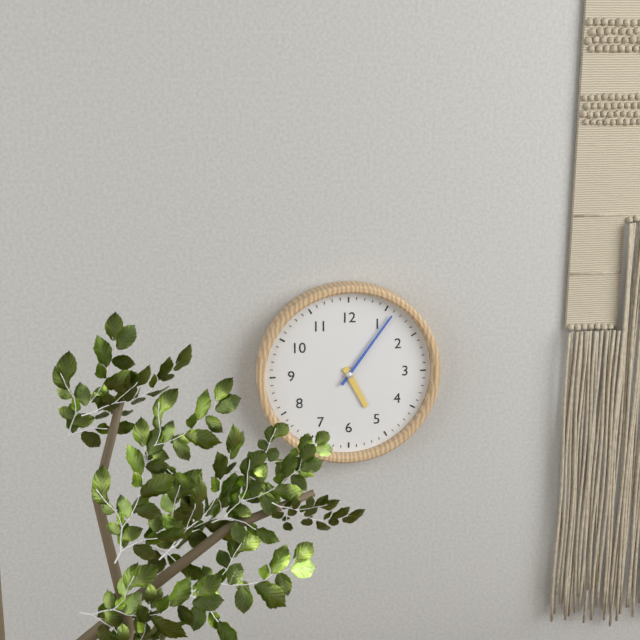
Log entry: {"hour": 5, "minute": 6}
